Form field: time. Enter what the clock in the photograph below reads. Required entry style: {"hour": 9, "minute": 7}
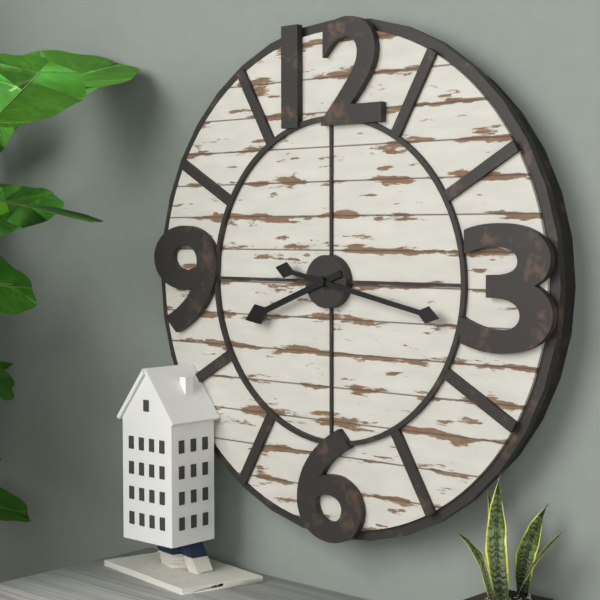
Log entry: {"hour": 8, "minute": 17}
